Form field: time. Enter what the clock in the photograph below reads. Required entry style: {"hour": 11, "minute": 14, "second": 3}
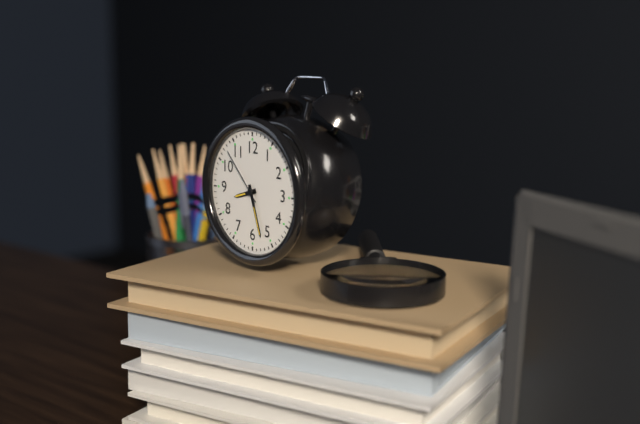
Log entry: {"hour": 8, "minute": 27, "second": 53}
